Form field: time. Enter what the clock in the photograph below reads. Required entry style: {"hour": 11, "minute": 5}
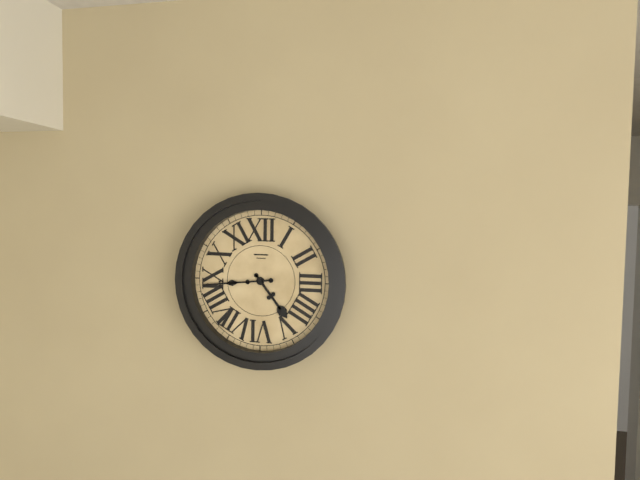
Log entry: {"hour": 4, "minute": 44}
